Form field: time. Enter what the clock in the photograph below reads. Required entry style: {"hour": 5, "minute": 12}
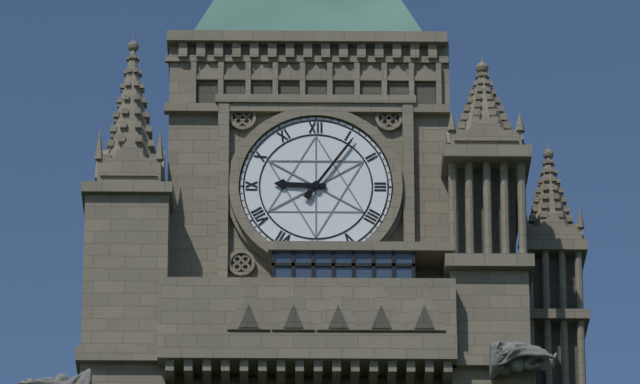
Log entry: {"hour": 9, "minute": 6}
